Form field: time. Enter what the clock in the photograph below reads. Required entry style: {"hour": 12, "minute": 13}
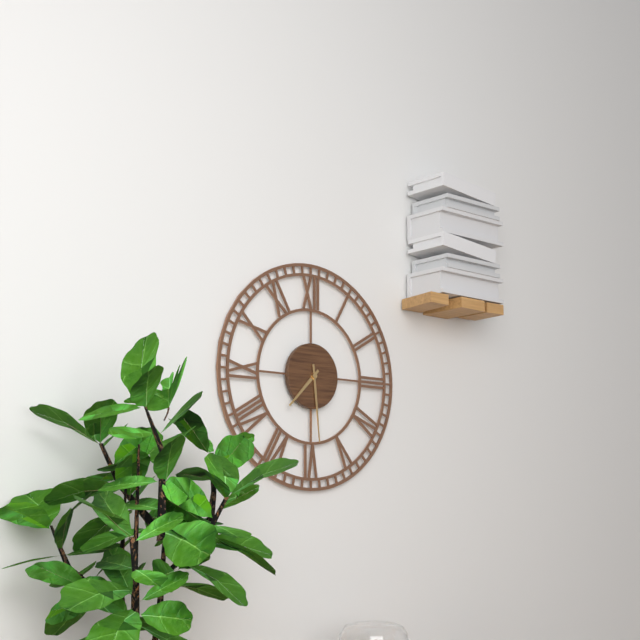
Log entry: {"hour": 7, "minute": 29}
